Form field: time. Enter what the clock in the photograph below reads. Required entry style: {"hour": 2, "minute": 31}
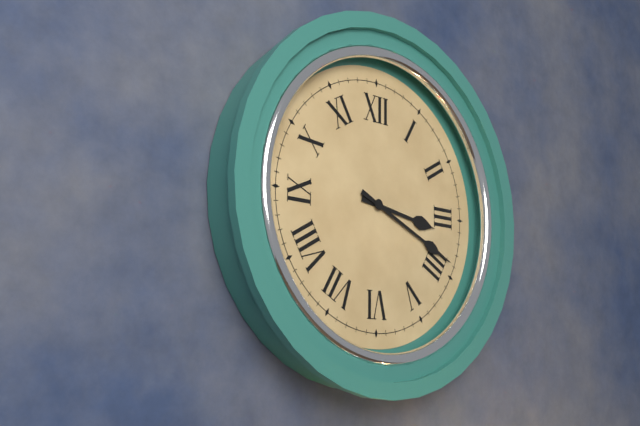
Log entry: {"hour": 3, "minute": 19}
